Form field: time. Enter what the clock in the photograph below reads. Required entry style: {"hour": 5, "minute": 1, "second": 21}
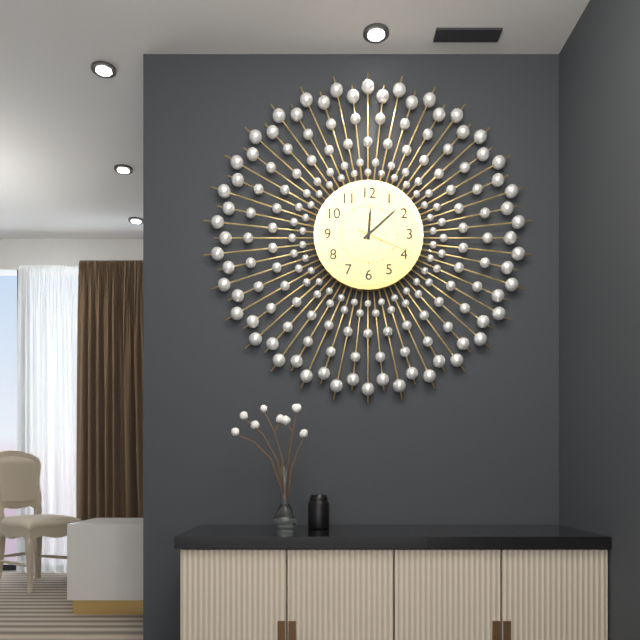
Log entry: {"hour": 12, "minute": 8, "second": 19}
